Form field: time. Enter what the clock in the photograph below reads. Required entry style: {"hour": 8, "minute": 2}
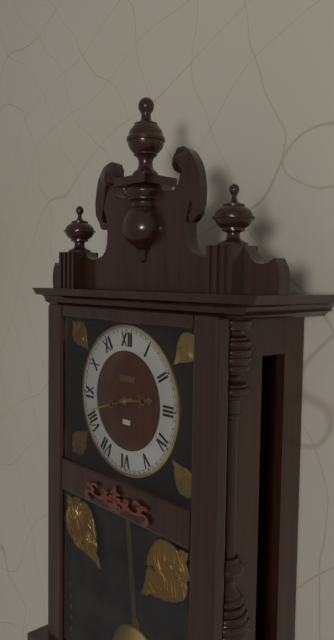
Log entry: {"hour": 2, "minute": 42}
